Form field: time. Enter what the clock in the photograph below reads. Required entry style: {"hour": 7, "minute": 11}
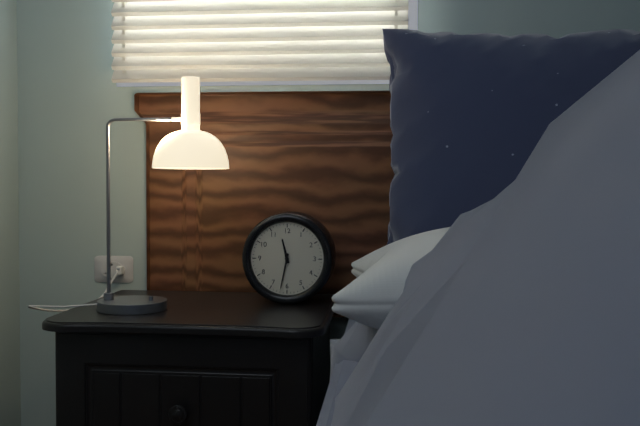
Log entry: {"hour": 11, "minute": 32}
